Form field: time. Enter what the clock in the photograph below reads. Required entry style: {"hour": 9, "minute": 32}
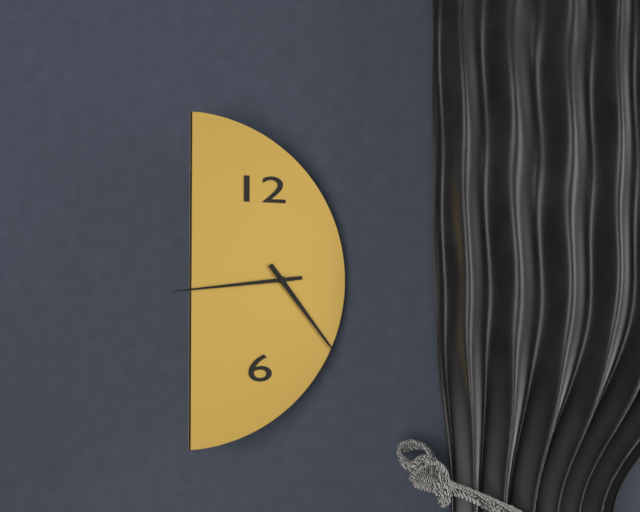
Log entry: {"hour": 4, "minute": 44}
